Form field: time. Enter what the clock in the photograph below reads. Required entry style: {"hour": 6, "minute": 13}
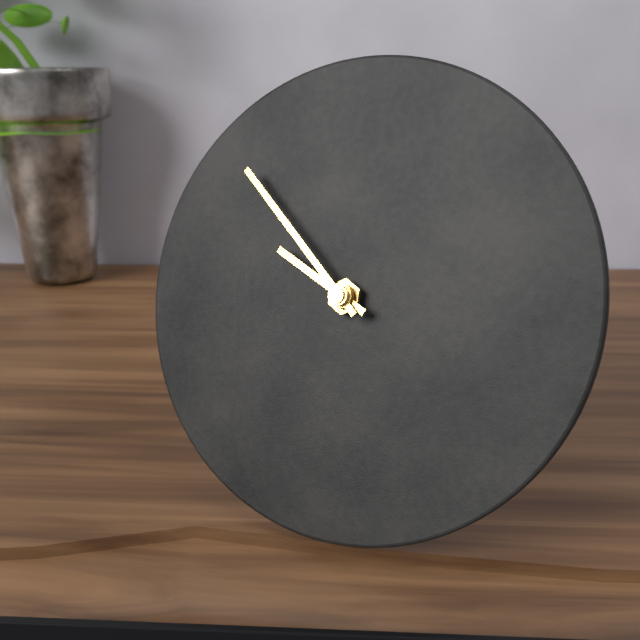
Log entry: {"hour": 9, "minute": 52}
